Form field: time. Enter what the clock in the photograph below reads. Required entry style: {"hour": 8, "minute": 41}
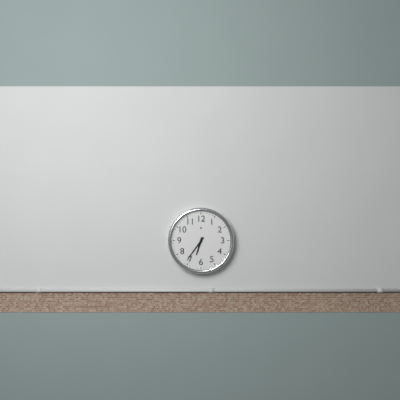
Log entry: {"hour": 6, "minute": 36}
